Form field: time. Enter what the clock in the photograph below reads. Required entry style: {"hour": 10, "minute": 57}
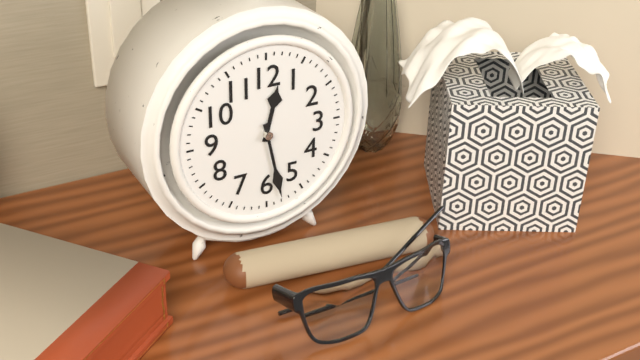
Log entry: {"hour": 12, "minute": 28}
